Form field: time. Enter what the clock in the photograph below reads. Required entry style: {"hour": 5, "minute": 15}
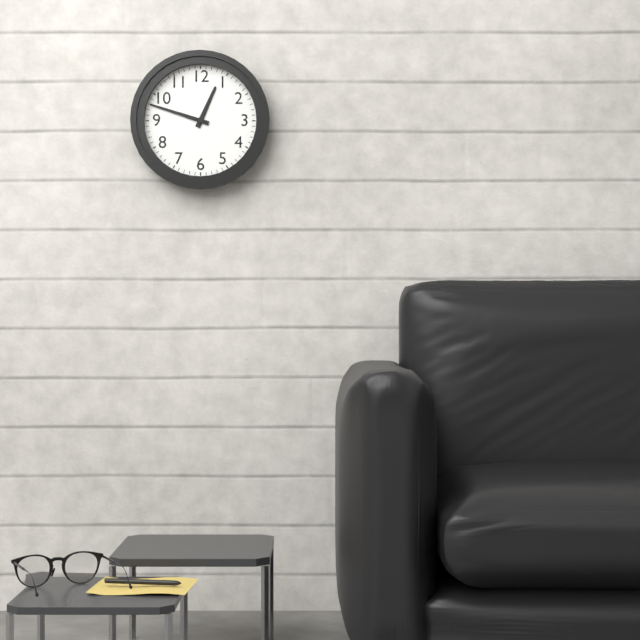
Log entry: {"hour": 12, "minute": 48}
